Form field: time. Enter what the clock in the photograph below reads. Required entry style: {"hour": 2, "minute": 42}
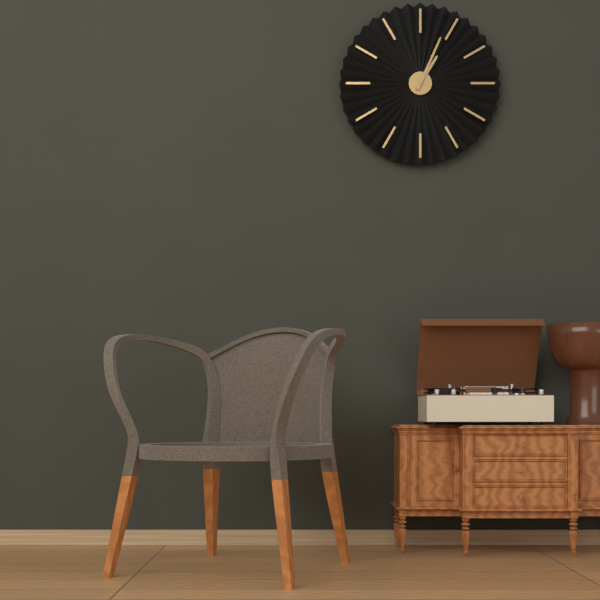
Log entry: {"hour": 1, "minute": 4}
